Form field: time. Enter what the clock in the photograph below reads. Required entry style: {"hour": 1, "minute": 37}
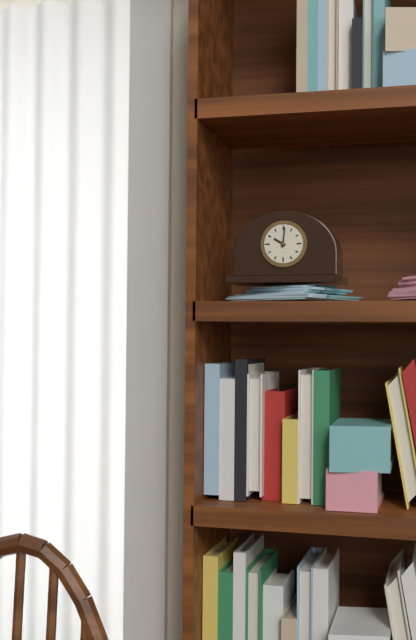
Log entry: {"hour": 10, "minute": 1}
